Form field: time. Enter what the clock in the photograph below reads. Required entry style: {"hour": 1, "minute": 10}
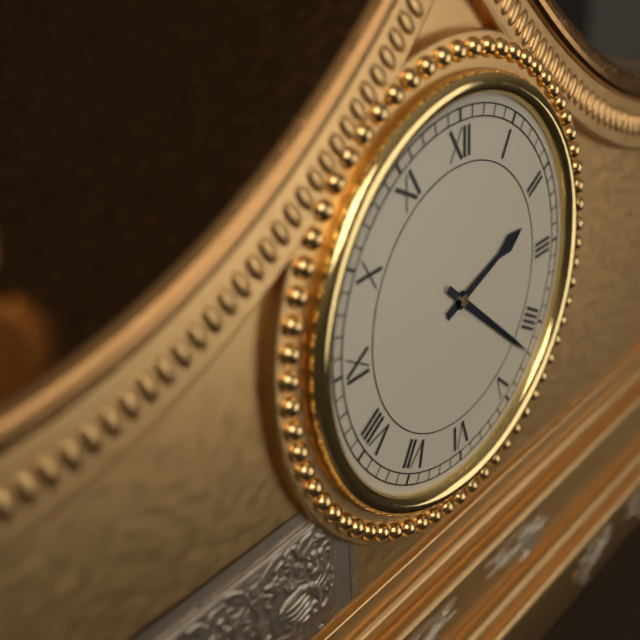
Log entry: {"hour": 2, "minute": 22}
